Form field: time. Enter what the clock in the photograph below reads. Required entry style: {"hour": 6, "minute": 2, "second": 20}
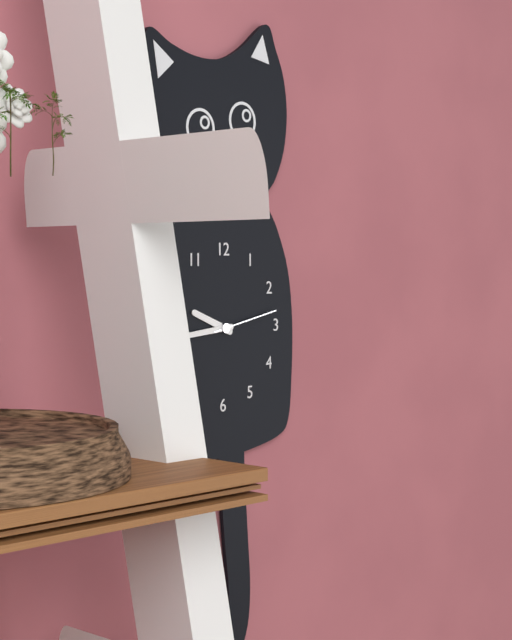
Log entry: {"hour": 9, "minute": 44, "second": 13}
